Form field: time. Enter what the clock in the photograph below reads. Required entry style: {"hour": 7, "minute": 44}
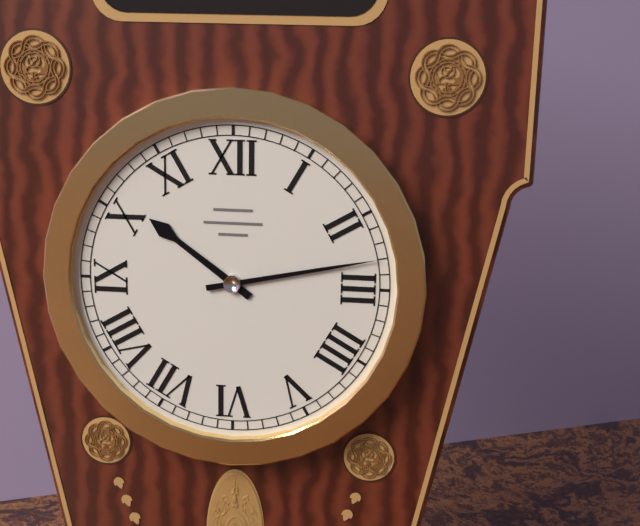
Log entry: {"hour": 10, "minute": 13}
